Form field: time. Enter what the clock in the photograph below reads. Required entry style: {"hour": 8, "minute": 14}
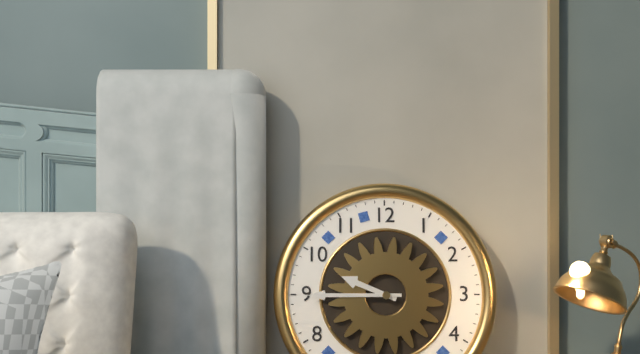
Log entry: {"hour": 9, "minute": 45}
